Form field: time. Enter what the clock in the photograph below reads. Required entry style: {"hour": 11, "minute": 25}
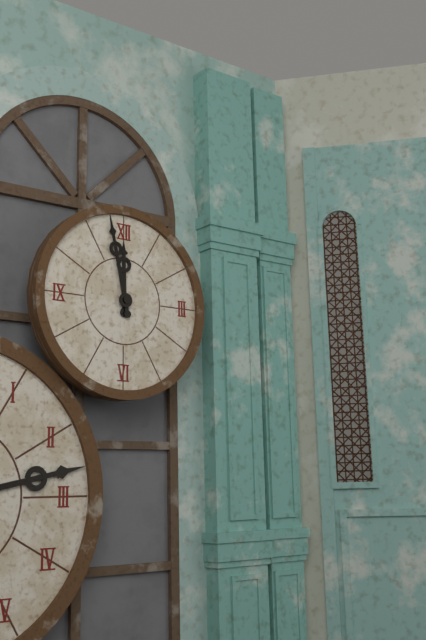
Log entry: {"hour": 11, "minute": 58}
